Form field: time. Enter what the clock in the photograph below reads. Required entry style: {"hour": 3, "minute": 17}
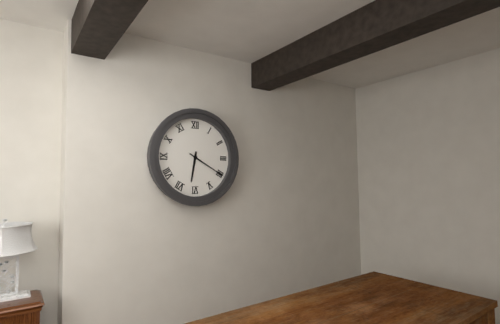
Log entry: {"hour": 6, "minute": 20}
